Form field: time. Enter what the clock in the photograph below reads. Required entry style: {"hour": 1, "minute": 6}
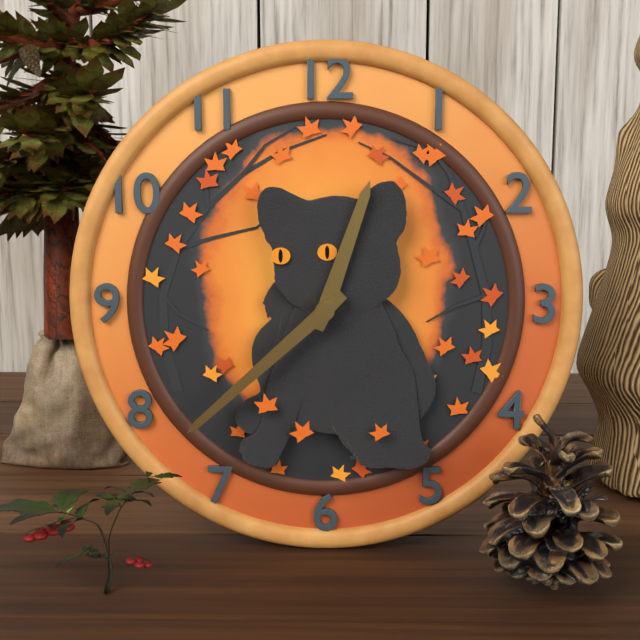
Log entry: {"hour": 12, "minute": 38}
